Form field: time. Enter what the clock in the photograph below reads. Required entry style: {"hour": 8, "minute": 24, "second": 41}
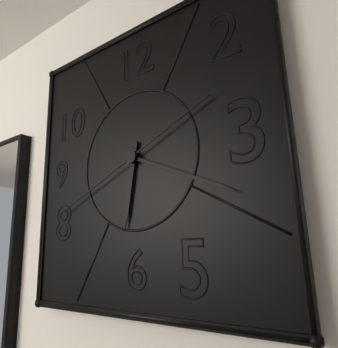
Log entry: {"hour": 6, "minute": 19, "second": 41}
